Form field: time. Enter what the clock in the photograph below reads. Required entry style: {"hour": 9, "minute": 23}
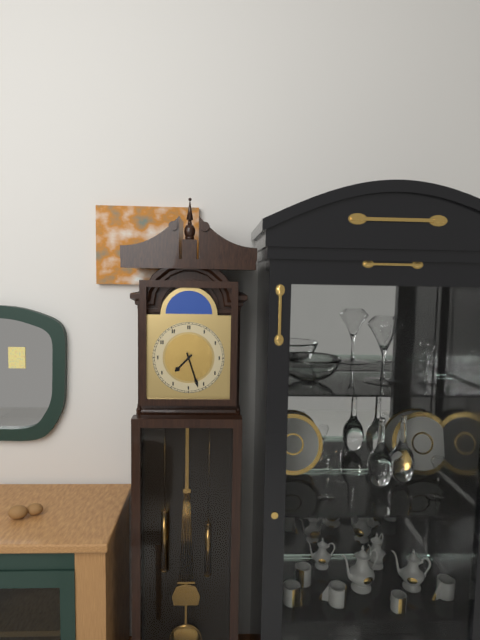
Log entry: {"hour": 7, "minute": 27}
